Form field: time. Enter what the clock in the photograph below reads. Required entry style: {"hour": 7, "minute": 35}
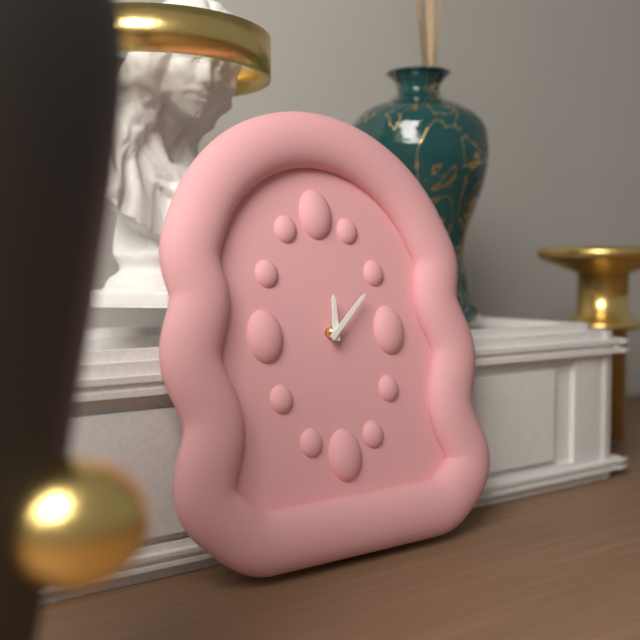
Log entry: {"hour": 12, "minute": 8}
